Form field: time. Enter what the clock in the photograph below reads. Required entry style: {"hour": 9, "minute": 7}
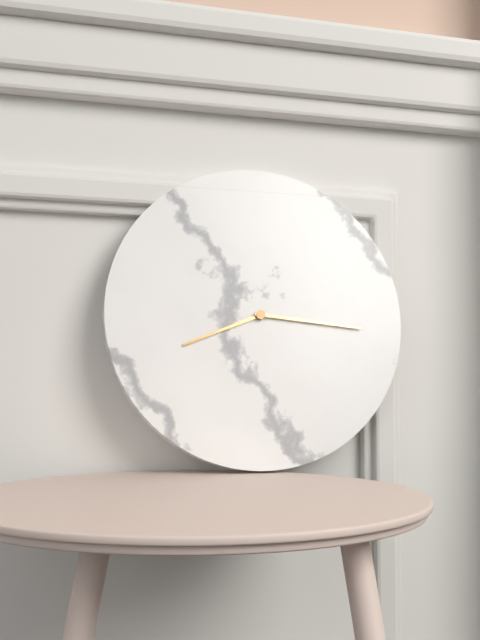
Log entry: {"hour": 8, "minute": 16}
